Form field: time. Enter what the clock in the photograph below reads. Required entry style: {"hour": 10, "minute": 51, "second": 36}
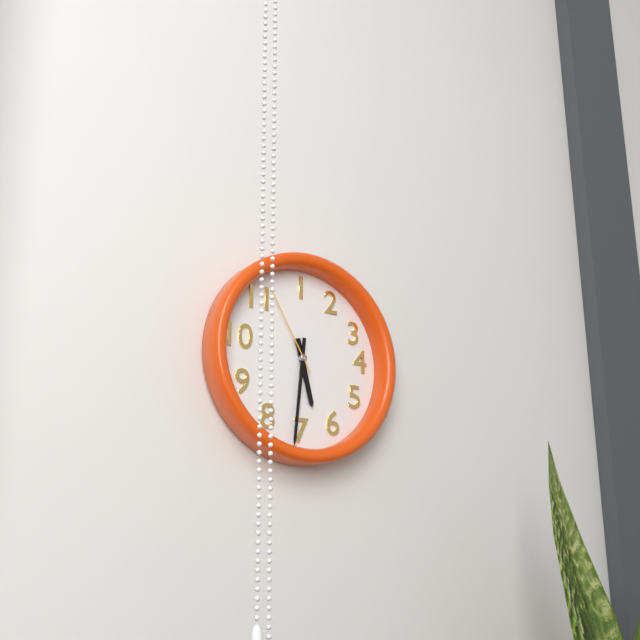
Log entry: {"hour": 5, "minute": 31, "second": 55}
